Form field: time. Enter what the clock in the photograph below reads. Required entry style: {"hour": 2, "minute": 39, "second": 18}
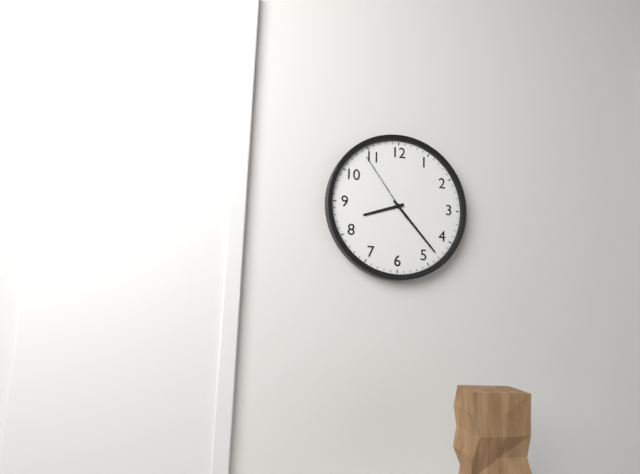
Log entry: {"hour": 8, "minute": 23, "second": 54}
